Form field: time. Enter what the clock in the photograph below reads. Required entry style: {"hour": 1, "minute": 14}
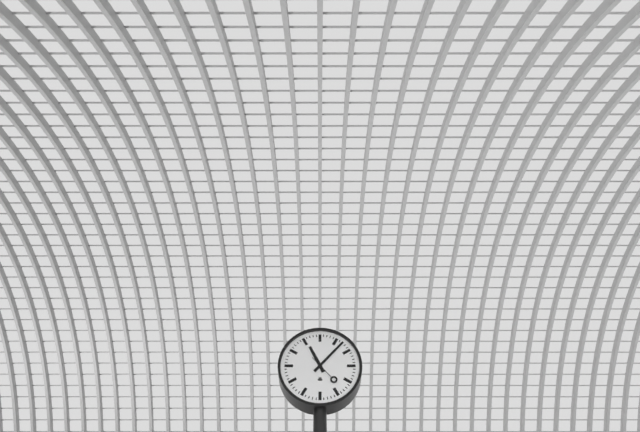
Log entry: {"hour": 11, "minute": 7}
